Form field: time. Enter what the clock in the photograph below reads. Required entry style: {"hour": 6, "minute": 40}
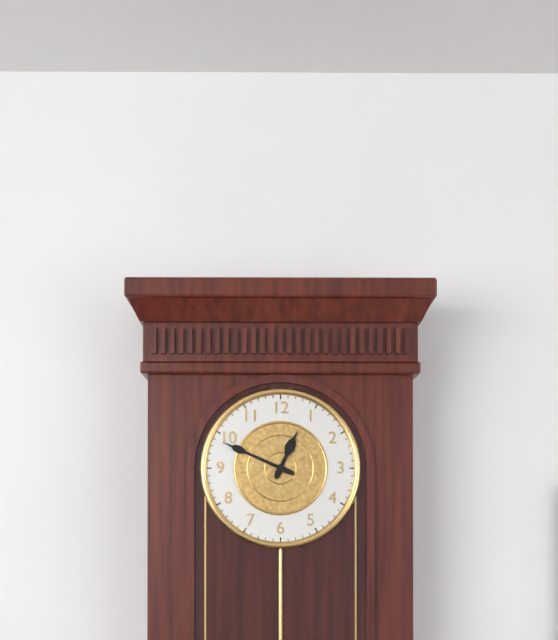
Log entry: {"hour": 12, "minute": 49}
